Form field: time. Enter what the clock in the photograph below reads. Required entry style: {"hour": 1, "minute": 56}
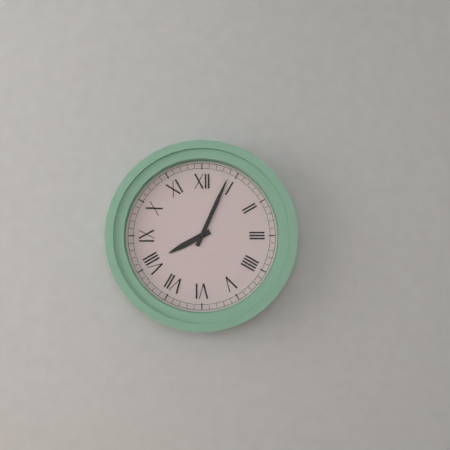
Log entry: {"hour": 8, "minute": 4}
